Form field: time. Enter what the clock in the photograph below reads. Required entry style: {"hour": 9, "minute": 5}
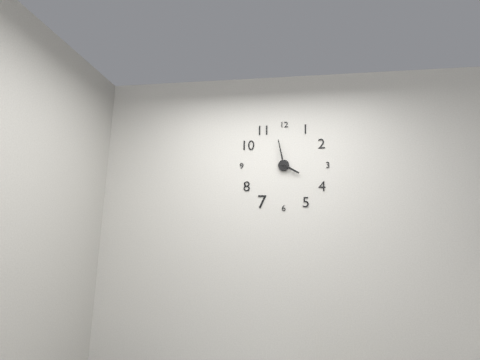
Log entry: {"hour": 3, "minute": 58}
